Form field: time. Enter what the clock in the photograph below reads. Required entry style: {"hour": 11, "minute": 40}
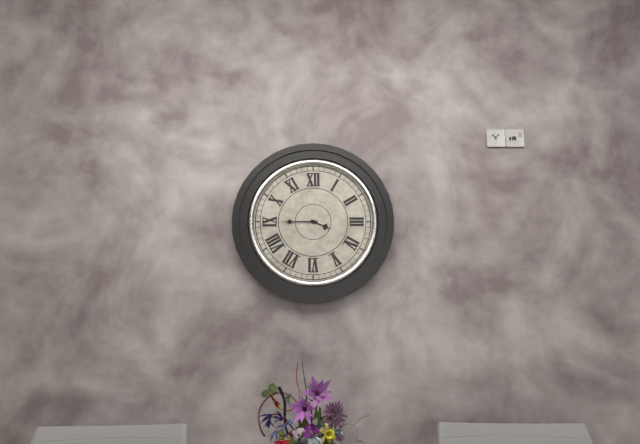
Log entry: {"hour": 3, "minute": 45}
